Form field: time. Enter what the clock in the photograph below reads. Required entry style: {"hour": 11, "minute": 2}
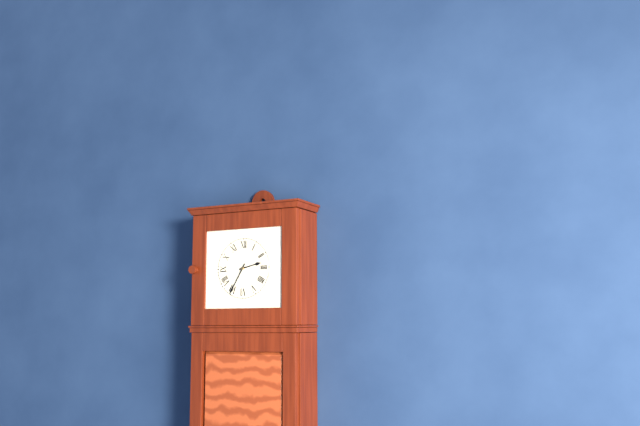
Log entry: {"hour": 2, "minute": 35}
